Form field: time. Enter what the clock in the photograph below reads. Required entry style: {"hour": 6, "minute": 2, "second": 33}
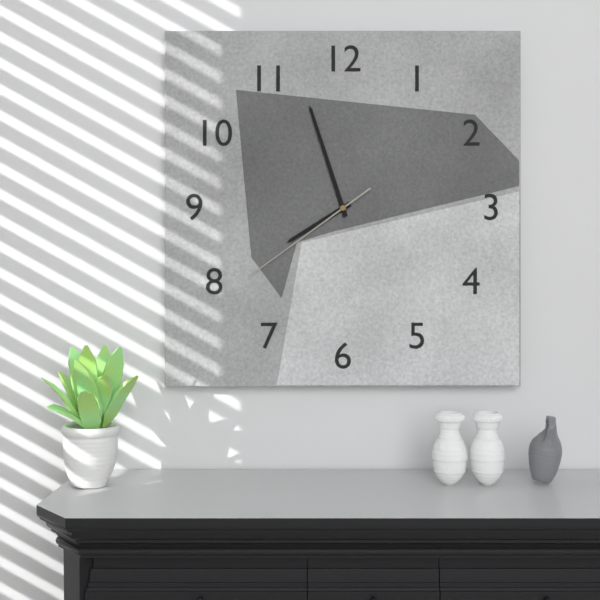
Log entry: {"hour": 7, "minute": 57, "second": 39}
